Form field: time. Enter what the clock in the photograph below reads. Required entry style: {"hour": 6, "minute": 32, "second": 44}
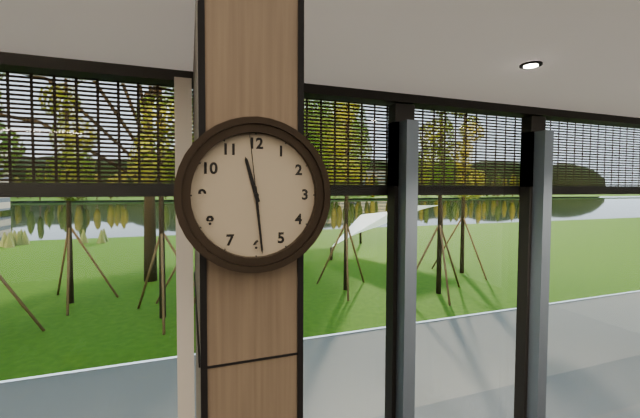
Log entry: {"hour": 11, "minute": 29, "second": 59}
